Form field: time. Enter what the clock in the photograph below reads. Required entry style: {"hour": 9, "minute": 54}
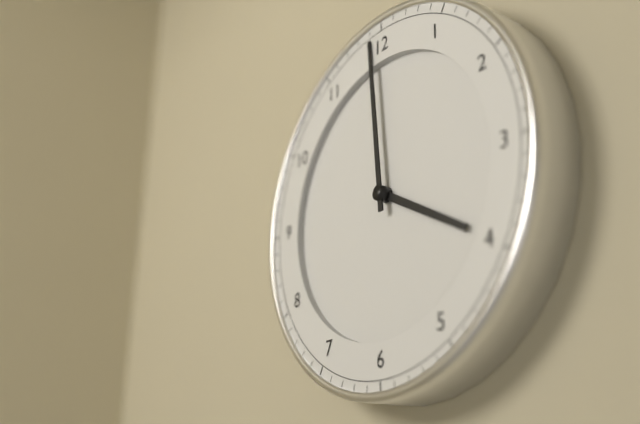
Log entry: {"hour": 3, "minute": 59}
